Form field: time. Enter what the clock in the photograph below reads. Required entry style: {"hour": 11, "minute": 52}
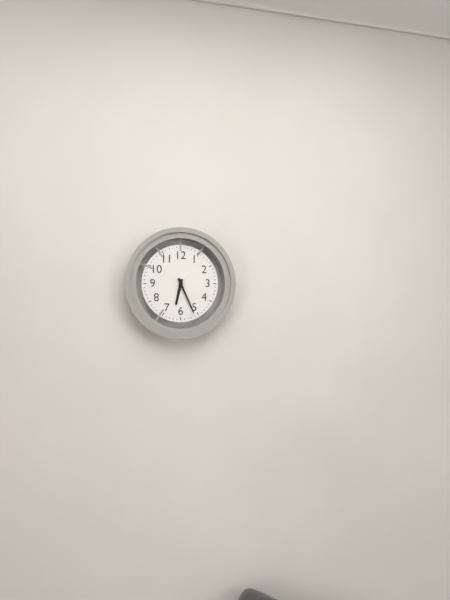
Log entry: {"hour": 6, "minute": 26}
